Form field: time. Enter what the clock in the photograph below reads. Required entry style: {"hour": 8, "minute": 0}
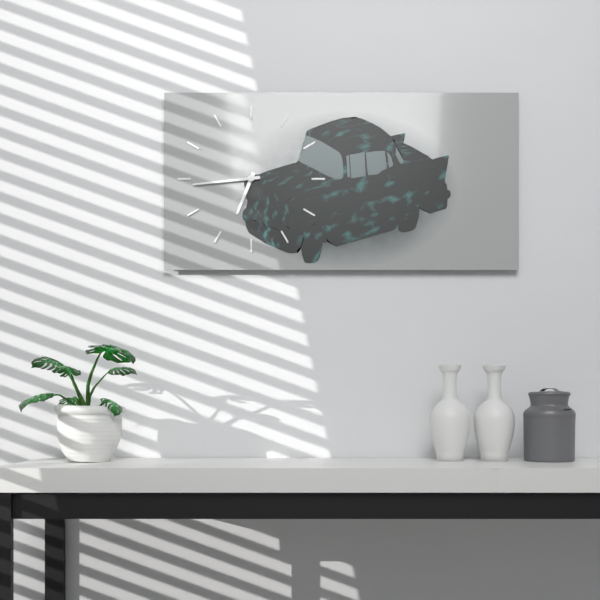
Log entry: {"hour": 6, "minute": 44}
